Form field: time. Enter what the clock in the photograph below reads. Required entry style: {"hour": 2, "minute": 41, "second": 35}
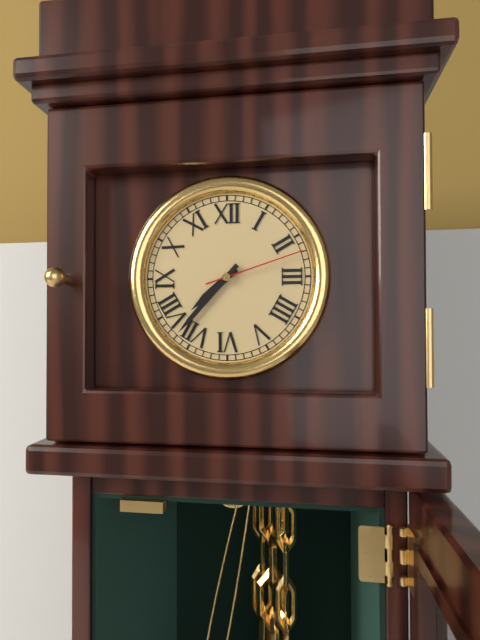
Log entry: {"hour": 7, "minute": 37, "second": 12}
